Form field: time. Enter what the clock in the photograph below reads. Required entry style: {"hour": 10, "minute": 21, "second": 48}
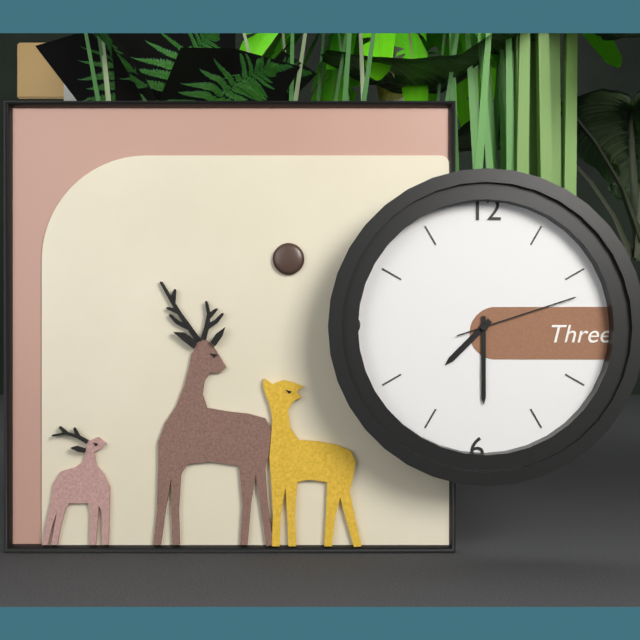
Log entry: {"hour": 7, "minute": 30, "second": 12}
